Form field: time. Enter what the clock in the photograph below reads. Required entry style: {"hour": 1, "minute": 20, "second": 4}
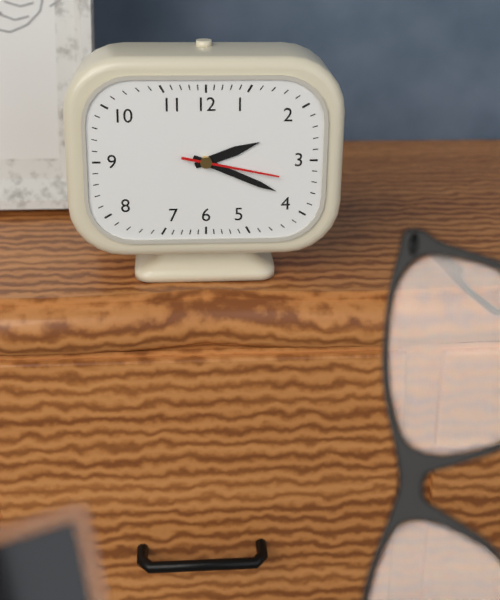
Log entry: {"hour": 2, "minute": 19, "second": 17}
